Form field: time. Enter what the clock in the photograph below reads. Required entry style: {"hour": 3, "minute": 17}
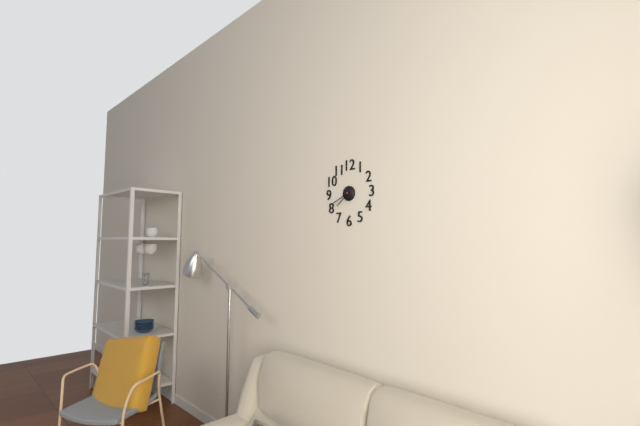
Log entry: {"hour": 7, "minute": 41}
